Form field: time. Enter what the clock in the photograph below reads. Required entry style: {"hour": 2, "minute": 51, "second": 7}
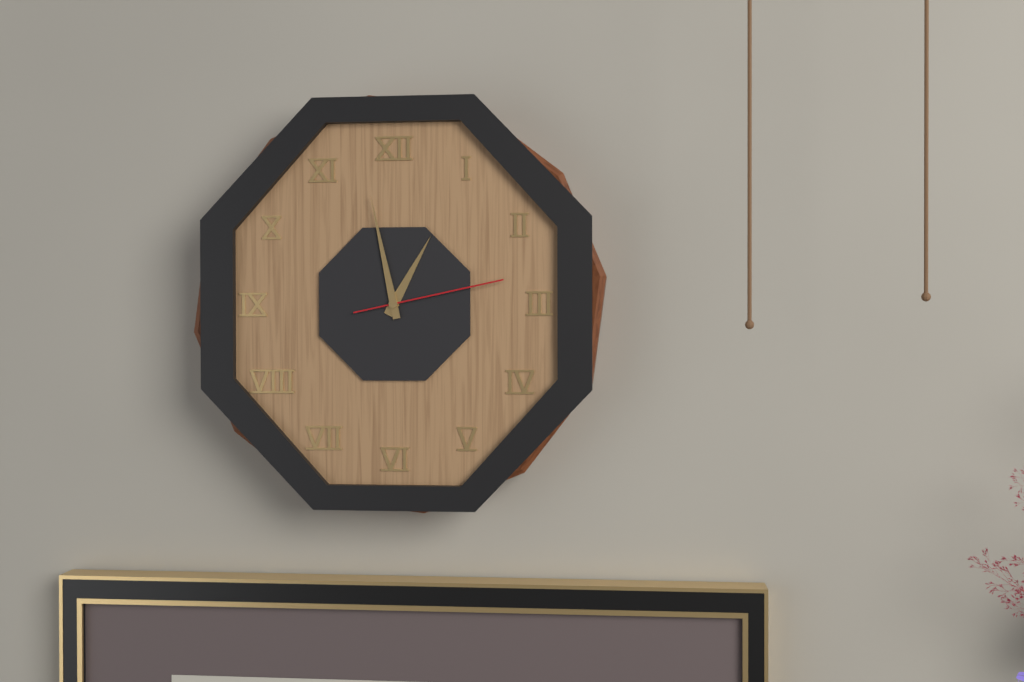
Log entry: {"hour": 12, "minute": 58, "second": 13}
